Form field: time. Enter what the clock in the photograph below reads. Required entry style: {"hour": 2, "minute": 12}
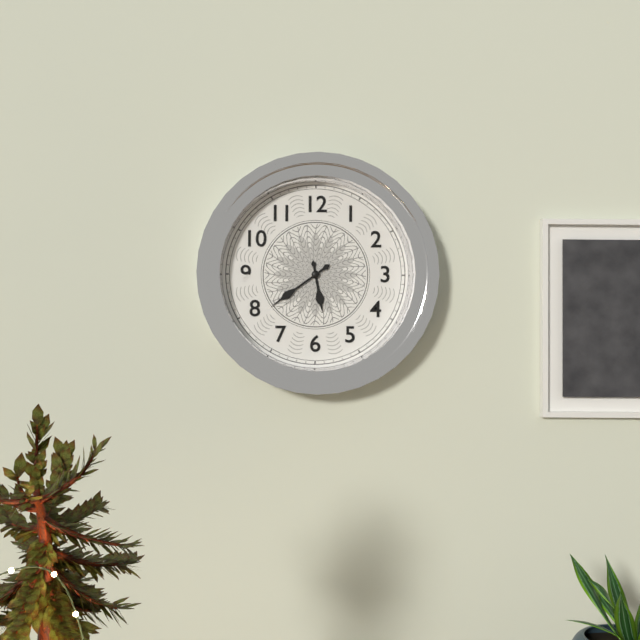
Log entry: {"hour": 5, "minute": 39}
